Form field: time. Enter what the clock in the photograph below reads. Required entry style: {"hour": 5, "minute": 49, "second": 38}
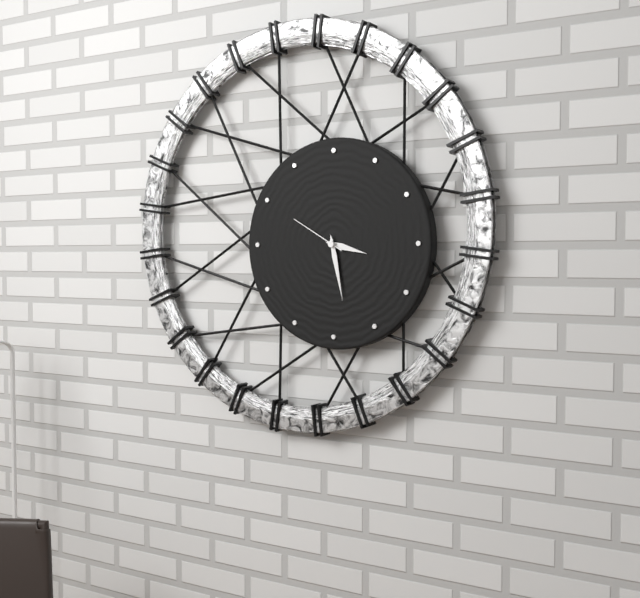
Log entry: {"hour": 3, "minute": 28, "second": 50}
